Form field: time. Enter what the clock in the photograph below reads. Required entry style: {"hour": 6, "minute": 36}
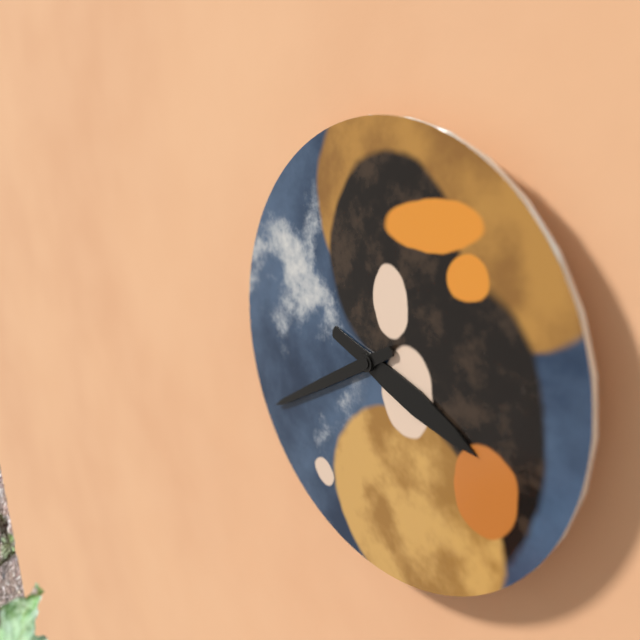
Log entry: {"hour": 3, "minute": 40}
